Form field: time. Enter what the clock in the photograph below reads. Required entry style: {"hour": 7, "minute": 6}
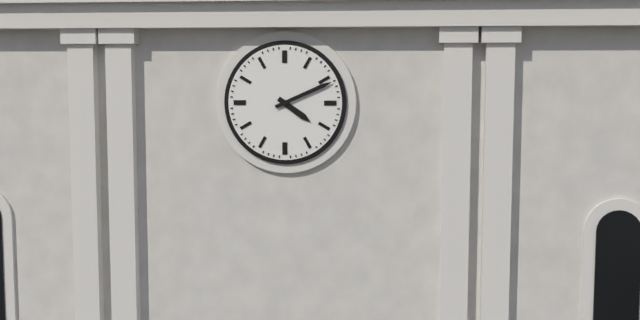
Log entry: {"hour": 4, "minute": 11}
